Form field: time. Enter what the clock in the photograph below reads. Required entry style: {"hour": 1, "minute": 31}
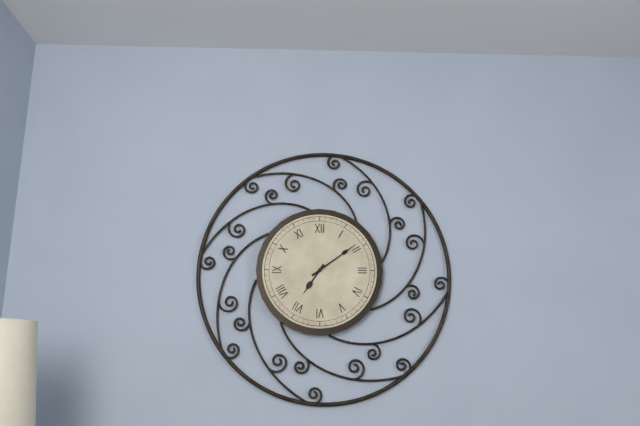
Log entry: {"hour": 7, "minute": 9}
